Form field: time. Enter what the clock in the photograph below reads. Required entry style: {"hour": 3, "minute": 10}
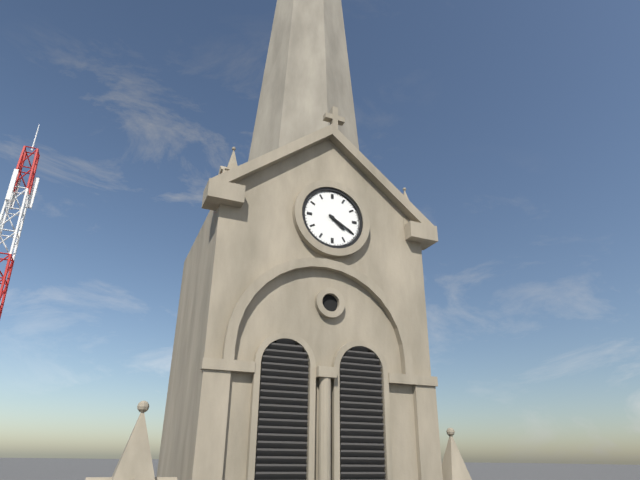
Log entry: {"hour": 4, "minute": 20}
